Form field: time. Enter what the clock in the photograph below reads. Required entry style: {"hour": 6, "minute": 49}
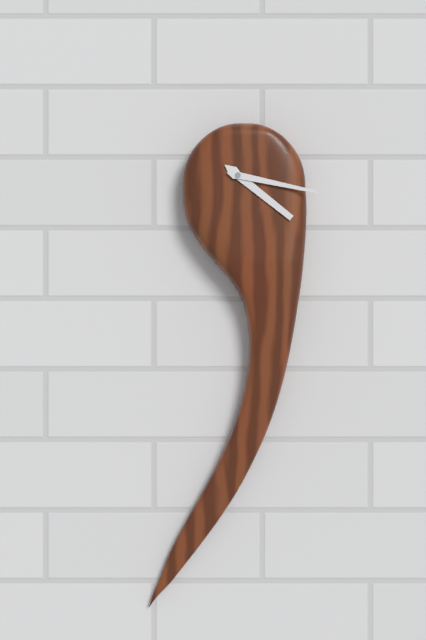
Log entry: {"hour": 4, "minute": 17}
